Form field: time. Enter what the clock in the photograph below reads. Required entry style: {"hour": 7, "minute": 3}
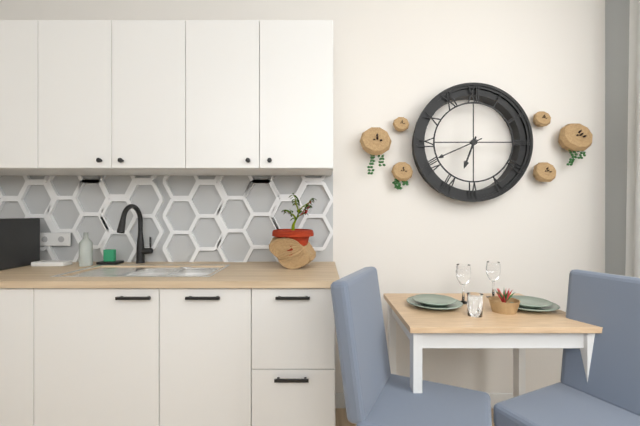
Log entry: {"hour": 6, "minute": 41}
